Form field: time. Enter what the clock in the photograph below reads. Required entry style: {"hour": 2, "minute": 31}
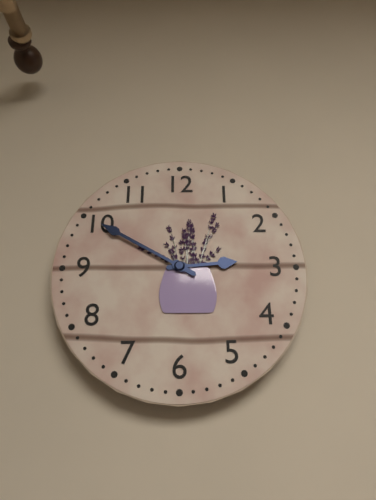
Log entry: {"hour": 2, "minute": 50}
